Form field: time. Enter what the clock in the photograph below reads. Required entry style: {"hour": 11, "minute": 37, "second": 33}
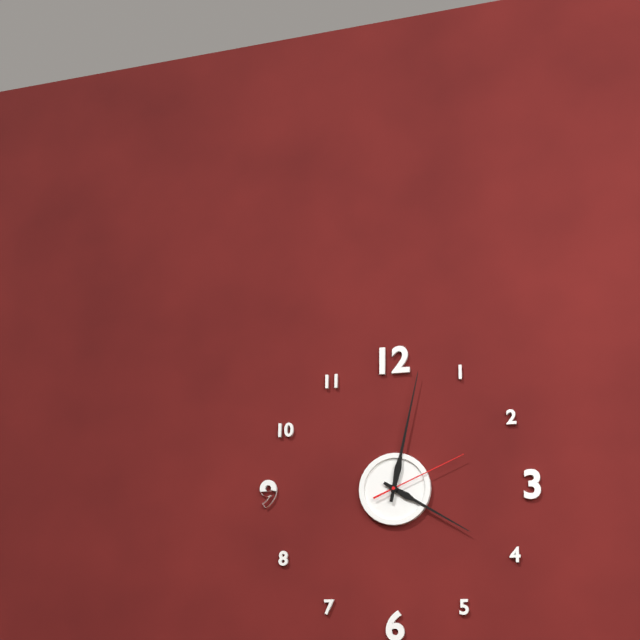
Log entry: {"hour": 4, "minute": 2, "second": 11}
